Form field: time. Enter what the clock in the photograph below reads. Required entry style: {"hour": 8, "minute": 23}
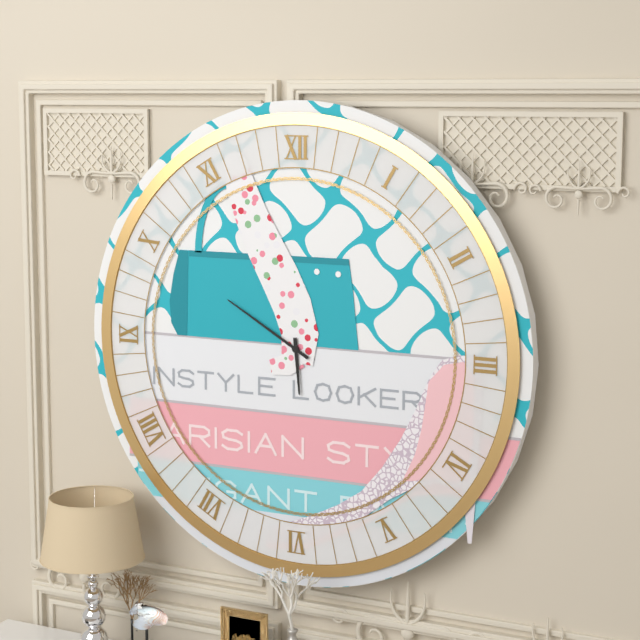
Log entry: {"hour": 5, "minute": 50}
